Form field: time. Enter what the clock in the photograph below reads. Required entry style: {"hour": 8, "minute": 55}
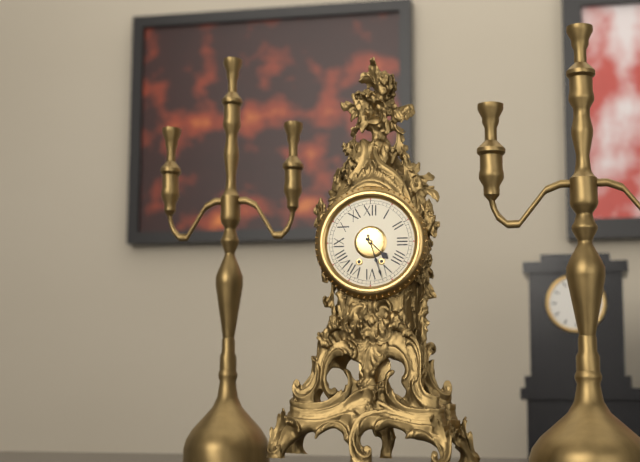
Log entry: {"hour": 4, "minute": 27}
